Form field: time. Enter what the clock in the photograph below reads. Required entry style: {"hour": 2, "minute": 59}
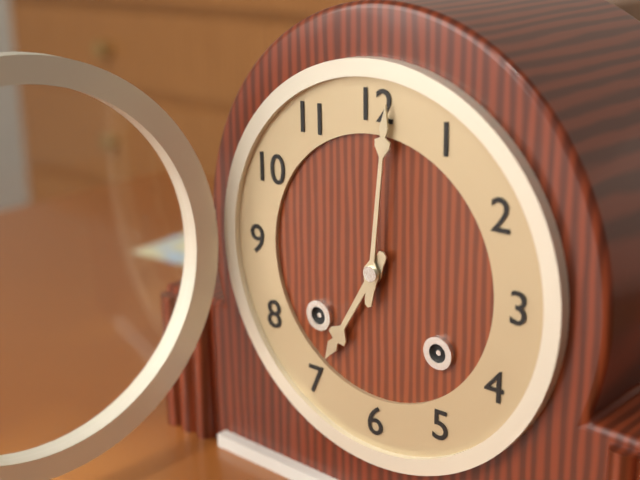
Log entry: {"hour": 7, "minute": 1}
